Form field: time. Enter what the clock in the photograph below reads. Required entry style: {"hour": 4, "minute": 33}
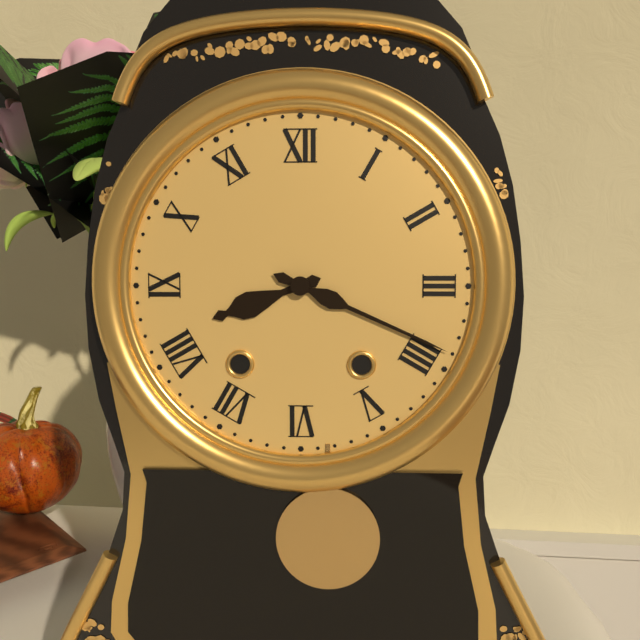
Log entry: {"hour": 8, "minute": 19}
